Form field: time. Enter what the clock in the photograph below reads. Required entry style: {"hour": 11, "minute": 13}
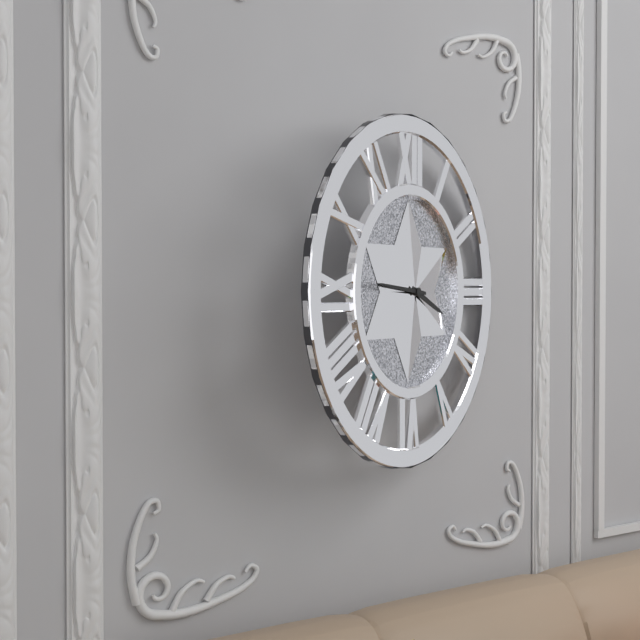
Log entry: {"hour": 3, "minute": 46}
